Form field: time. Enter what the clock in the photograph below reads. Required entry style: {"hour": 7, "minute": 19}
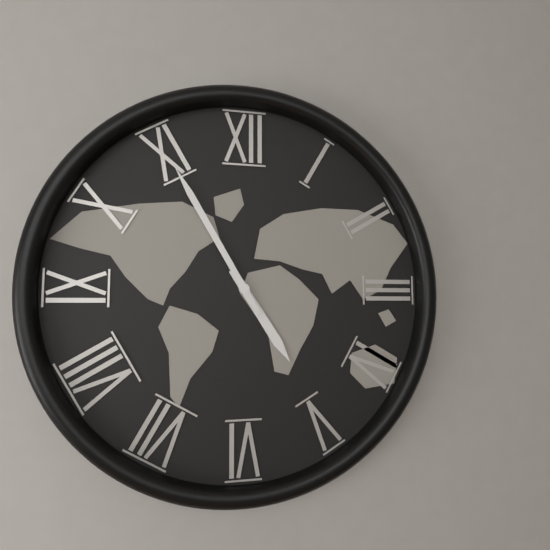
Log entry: {"hour": 4, "minute": 55}
